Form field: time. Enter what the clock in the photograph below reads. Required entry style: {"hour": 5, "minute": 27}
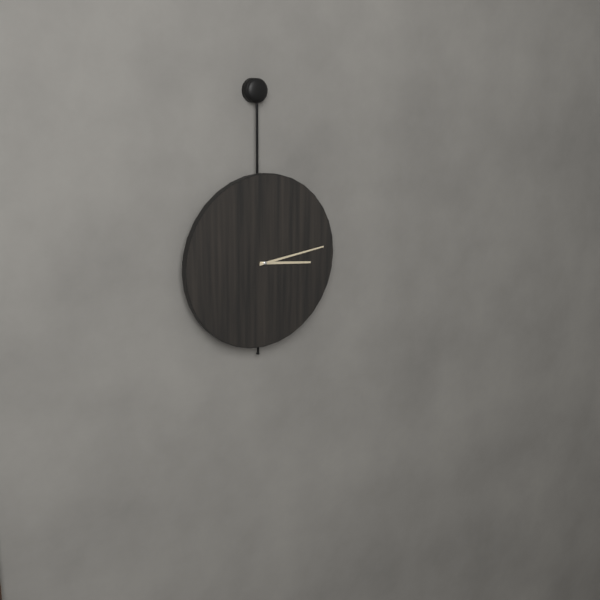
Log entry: {"hour": 3, "minute": 14}
